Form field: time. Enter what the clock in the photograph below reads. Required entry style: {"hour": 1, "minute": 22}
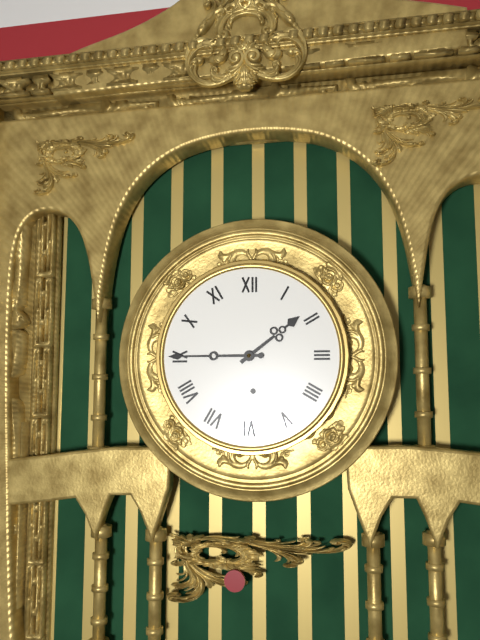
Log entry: {"hour": 1, "minute": 45}
